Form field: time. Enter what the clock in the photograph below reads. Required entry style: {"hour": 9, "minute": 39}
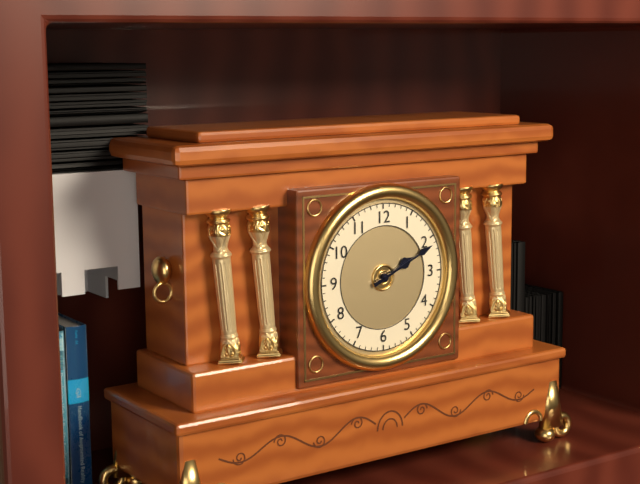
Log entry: {"hour": 2, "minute": 11}
